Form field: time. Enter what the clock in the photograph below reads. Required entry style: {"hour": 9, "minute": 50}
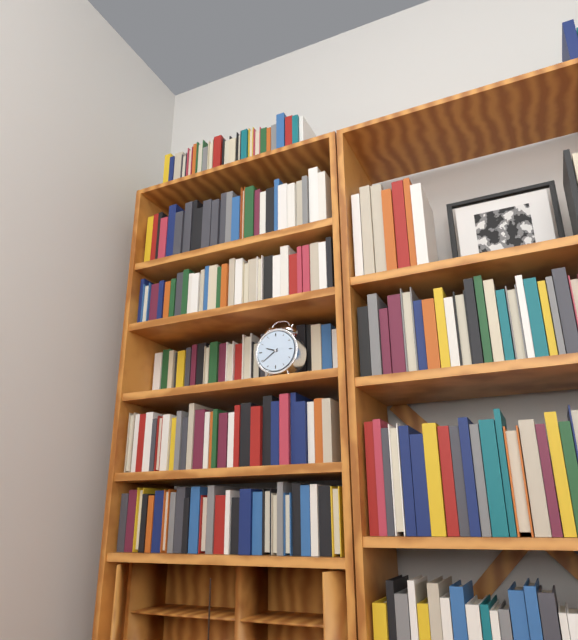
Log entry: {"hour": 9, "minute": 39}
